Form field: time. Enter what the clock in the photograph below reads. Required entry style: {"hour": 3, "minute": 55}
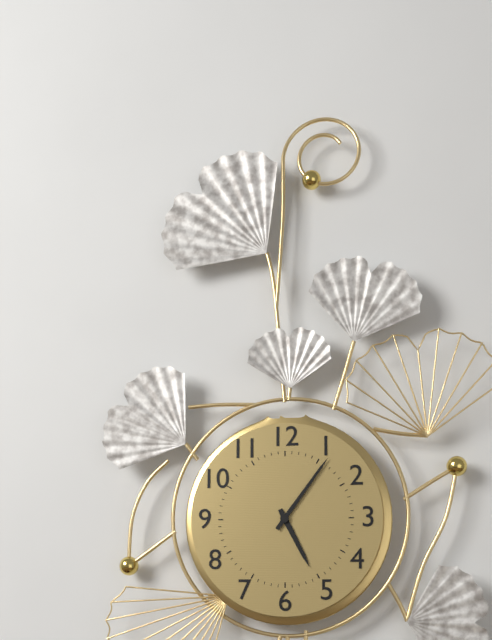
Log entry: {"hour": 5, "minute": 6}
